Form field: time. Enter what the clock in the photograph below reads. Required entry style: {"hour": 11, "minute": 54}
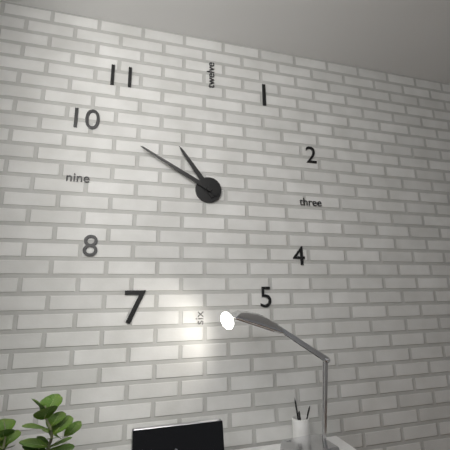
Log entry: {"hour": 10, "minute": 50}
